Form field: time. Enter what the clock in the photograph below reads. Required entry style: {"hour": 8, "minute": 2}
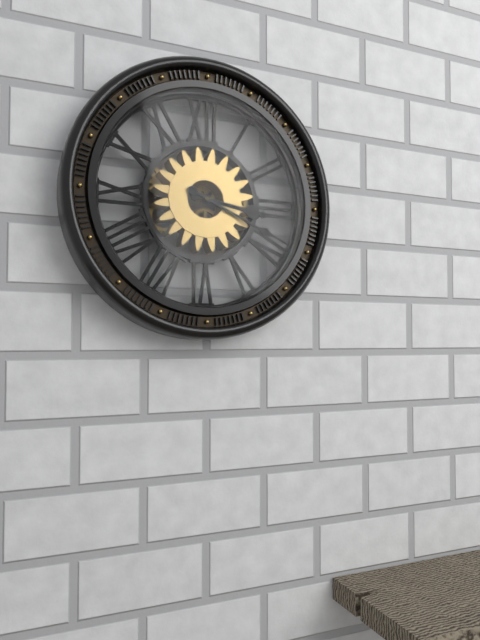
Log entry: {"hour": 3, "minute": 19}
